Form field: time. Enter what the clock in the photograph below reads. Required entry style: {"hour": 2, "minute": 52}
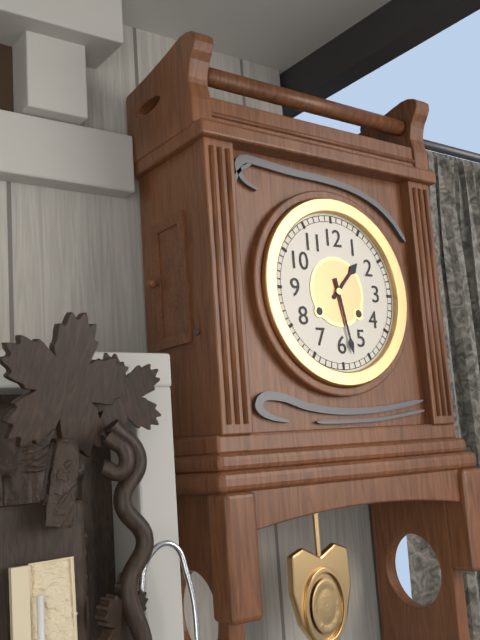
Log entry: {"hour": 1, "minute": 28}
